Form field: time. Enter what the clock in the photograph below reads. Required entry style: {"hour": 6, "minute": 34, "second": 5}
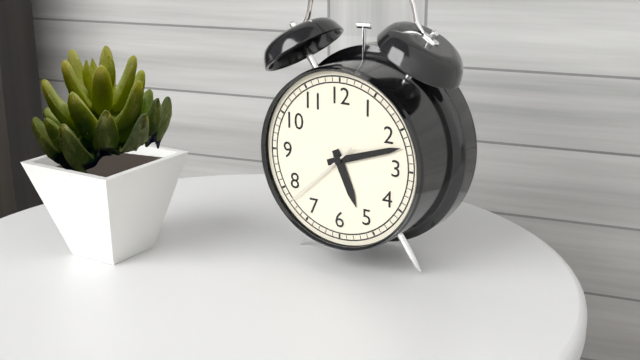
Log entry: {"hour": 5, "minute": 12, "second": 38}
